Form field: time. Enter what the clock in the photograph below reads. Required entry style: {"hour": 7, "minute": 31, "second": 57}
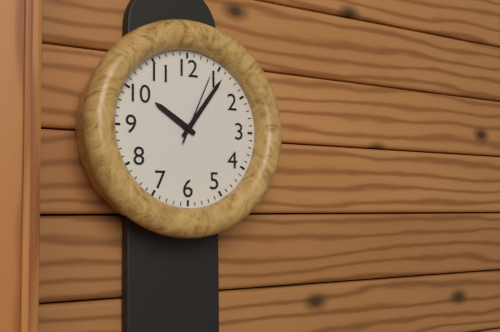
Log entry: {"hour": 10, "minute": 6, "second": 4}
